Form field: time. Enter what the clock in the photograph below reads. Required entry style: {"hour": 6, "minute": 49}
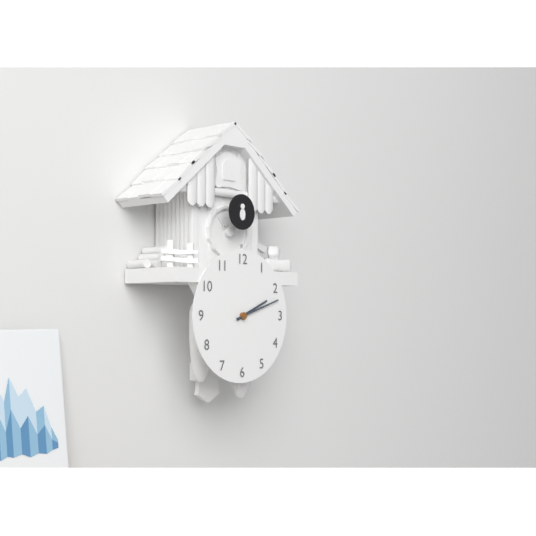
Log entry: {"hour": 2, "minute": 12}
